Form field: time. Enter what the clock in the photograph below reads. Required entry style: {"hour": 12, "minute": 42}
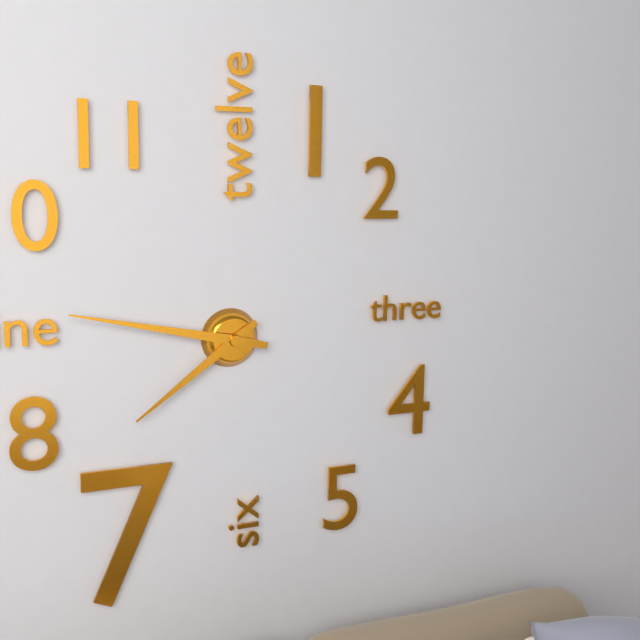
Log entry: {"hour": 7, "minute": 47}
